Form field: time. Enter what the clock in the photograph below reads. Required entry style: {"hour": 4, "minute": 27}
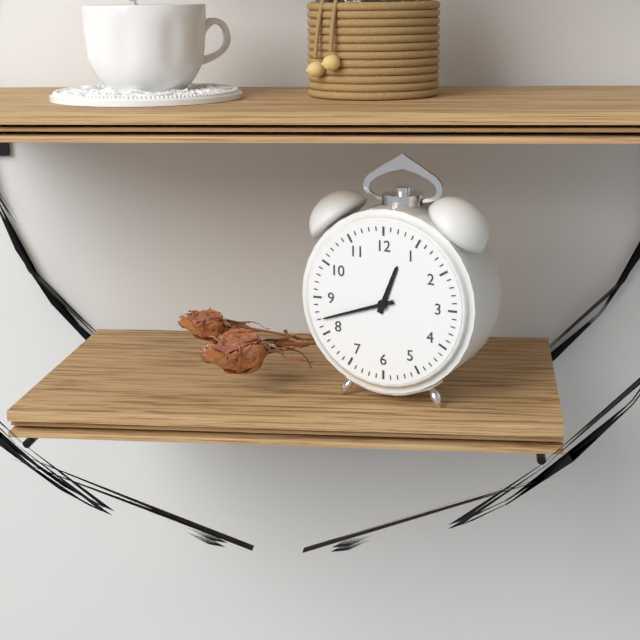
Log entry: {"hour": 12, "minute": 42}
